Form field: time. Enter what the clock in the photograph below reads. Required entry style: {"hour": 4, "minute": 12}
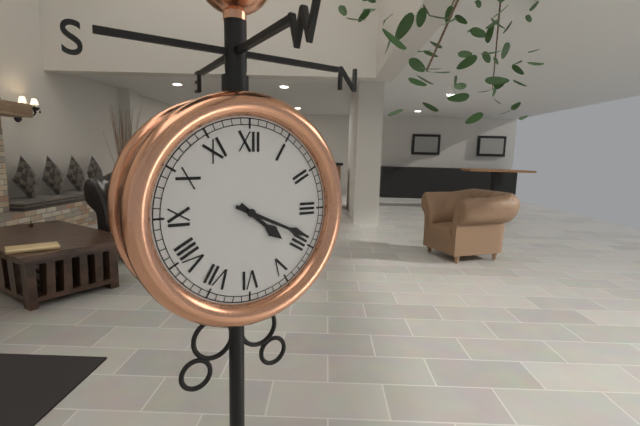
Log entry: {"hour": 4, "minute": 19}
